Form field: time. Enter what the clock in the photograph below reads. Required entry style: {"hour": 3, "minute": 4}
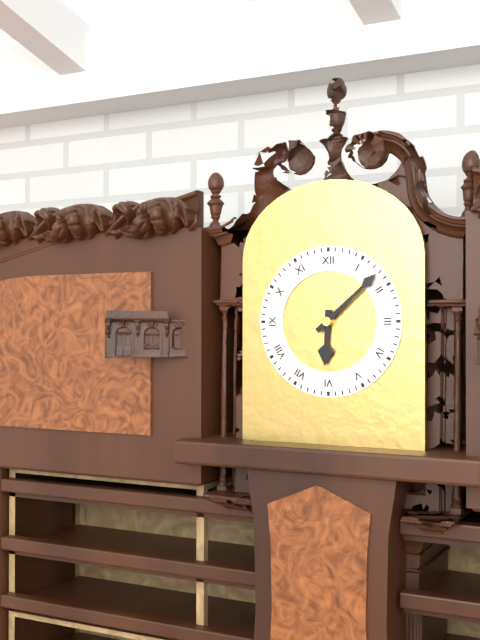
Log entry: {"hour": 6, "minute": 8}
